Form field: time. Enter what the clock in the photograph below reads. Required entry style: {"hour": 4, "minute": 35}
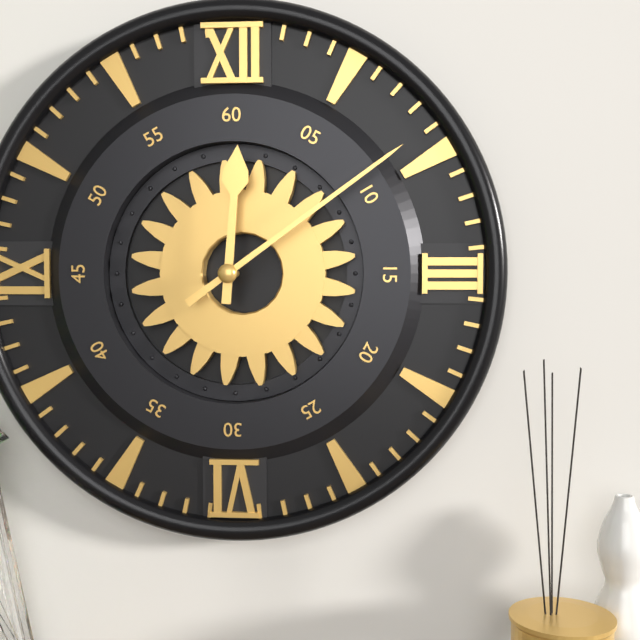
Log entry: {"hour": 12, "minute": 9}
